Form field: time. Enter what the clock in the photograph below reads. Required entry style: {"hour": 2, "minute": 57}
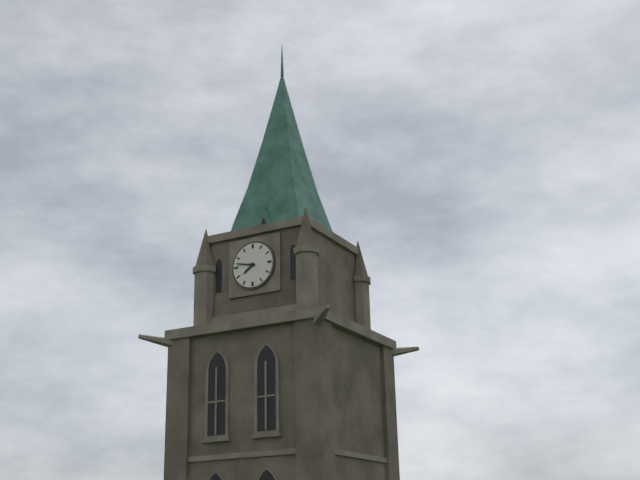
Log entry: {"hour": 7, "minute": 47}
